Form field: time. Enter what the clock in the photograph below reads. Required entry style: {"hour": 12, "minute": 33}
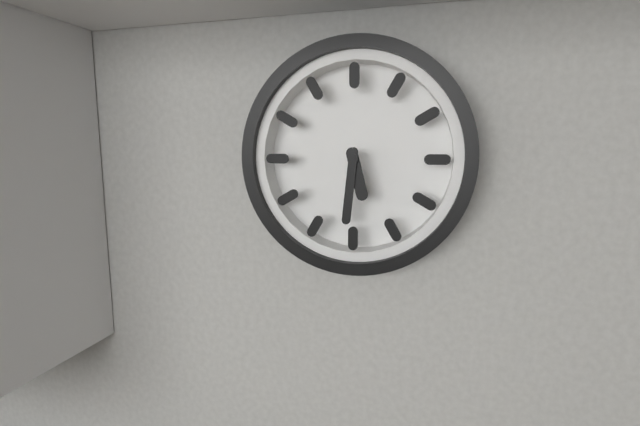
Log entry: {"hour": 5, "minute": 31}
